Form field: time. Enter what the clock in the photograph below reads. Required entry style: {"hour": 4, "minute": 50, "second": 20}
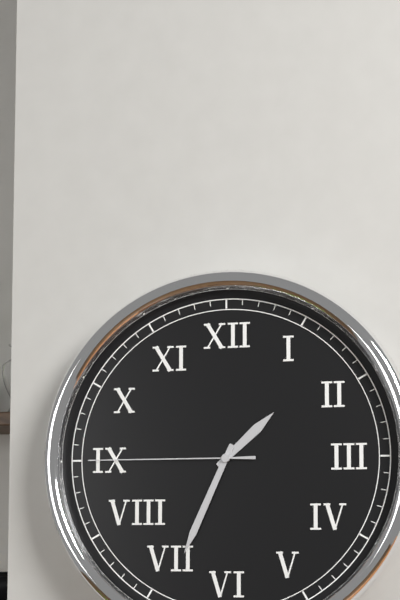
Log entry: {"hour": 1, "minute": 34, "second": 45}
